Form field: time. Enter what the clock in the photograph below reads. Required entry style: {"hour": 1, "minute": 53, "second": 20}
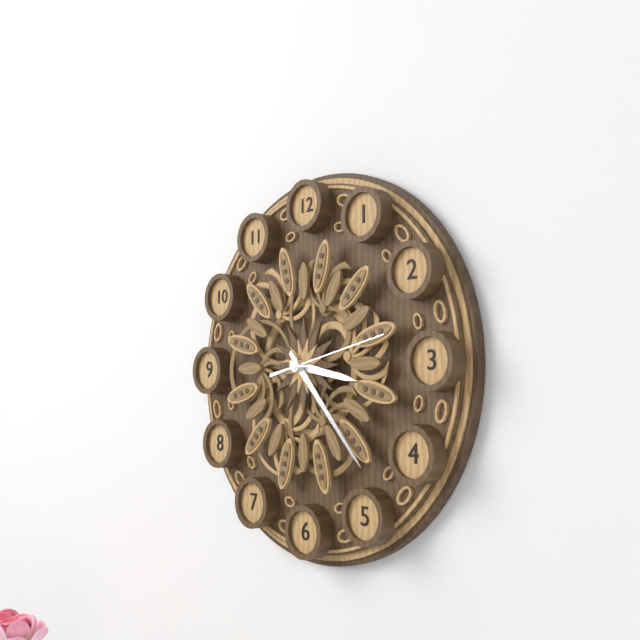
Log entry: {"hour": 3, "minute": 23, "second": 13}
